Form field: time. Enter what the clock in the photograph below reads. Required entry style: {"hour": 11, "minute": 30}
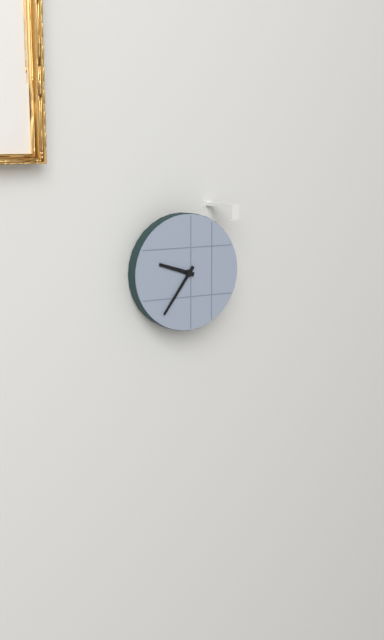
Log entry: {"hour": 9, "minute": 36}
